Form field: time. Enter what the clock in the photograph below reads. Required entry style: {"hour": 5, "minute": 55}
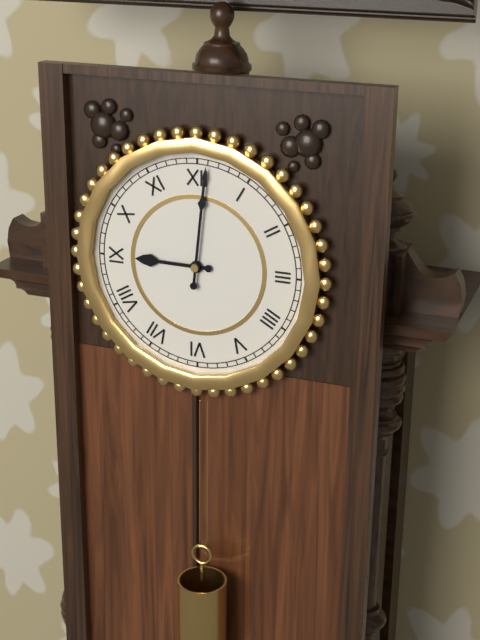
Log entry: {"hour": 9, "minute": 1}
